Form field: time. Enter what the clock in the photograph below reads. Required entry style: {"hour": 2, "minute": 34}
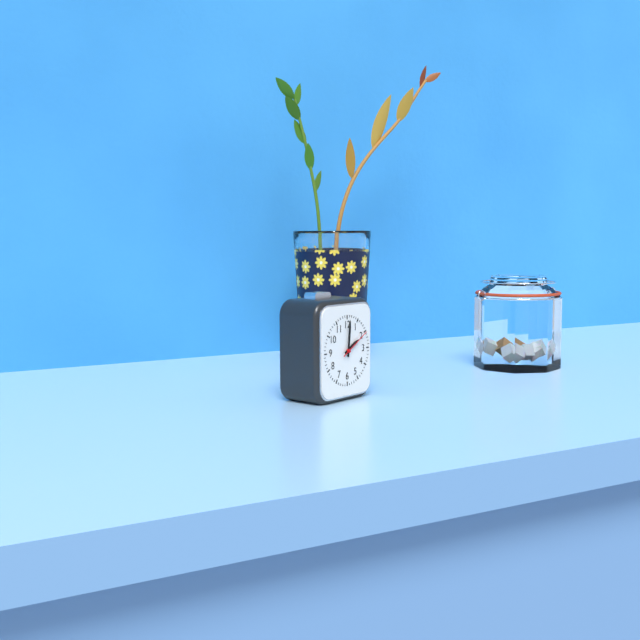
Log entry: {"hour": 2, "minute": 1}
